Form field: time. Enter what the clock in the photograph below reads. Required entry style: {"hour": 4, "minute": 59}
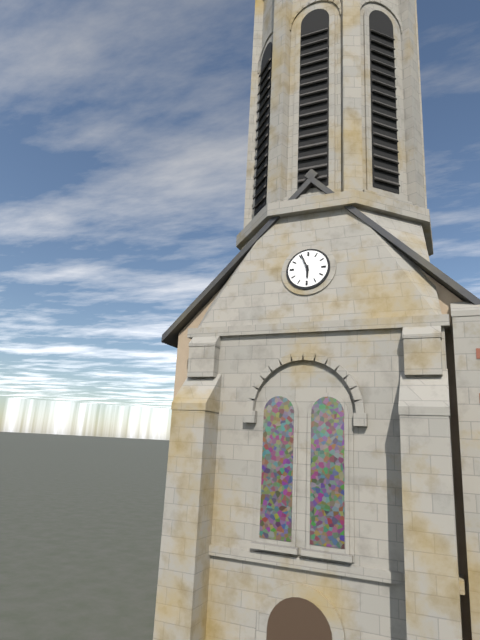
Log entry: {"hour": 5, "minute": 56}
